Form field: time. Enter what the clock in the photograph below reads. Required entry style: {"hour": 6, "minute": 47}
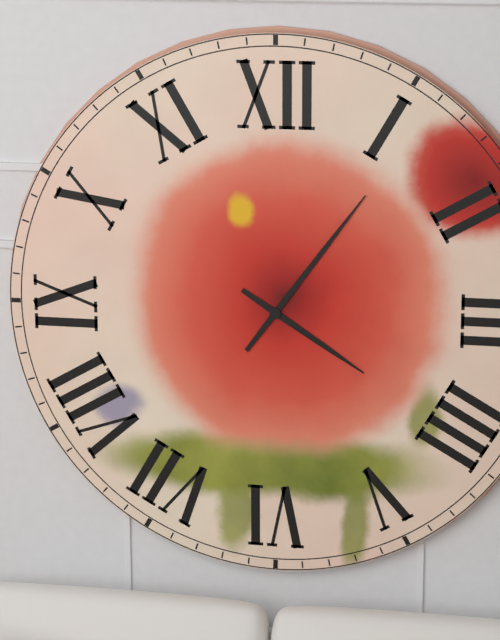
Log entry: {"hour": 4, "minute": 6}
